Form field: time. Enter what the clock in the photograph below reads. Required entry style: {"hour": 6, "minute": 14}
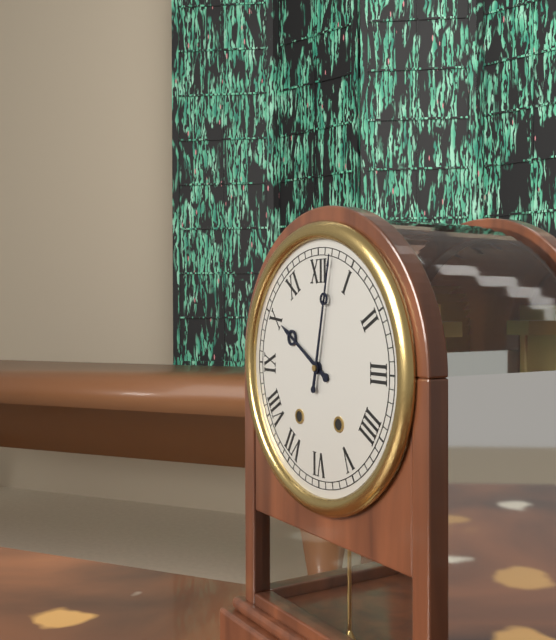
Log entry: {"hour": 10, "minute": 2}
